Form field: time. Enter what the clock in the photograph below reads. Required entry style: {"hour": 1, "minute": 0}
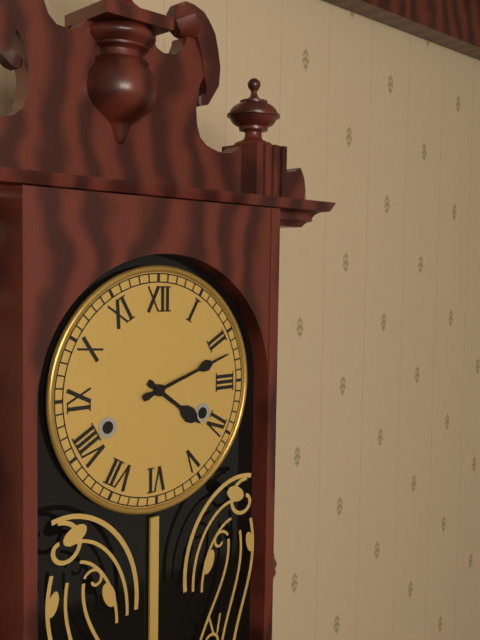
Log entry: {"hour": 4, "minute": 12}
